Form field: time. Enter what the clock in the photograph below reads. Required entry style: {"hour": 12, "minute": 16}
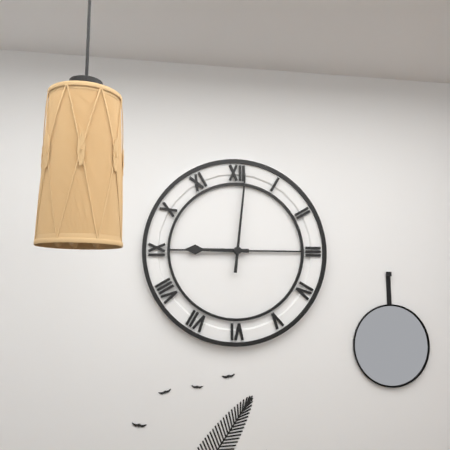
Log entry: {"hour": 9, "minute": 1}
